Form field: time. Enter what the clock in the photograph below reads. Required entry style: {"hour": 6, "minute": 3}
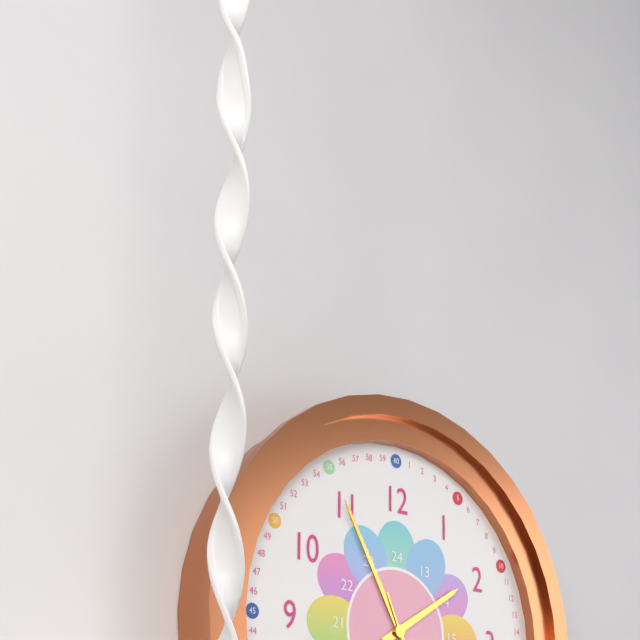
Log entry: {"hour": 1, "minute": 55}
